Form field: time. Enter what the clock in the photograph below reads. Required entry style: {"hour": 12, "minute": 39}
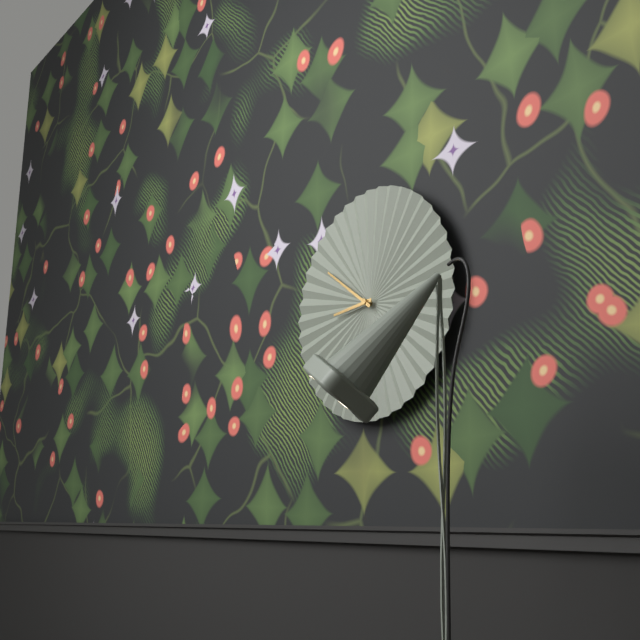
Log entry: {"hour": 8, "minute": 51}
